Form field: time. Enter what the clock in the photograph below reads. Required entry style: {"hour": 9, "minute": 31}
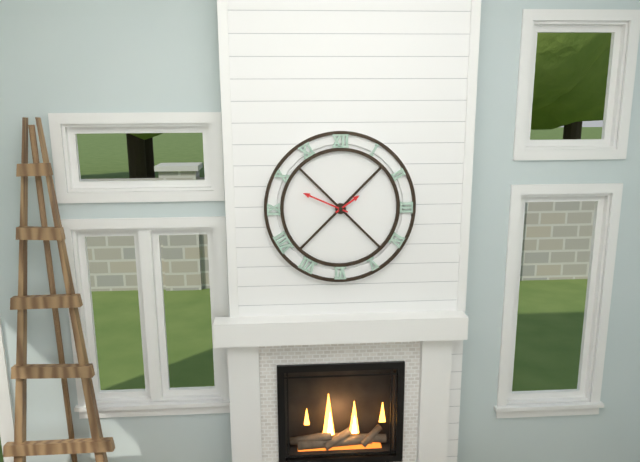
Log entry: {"hour": 1, "minute": 49}
